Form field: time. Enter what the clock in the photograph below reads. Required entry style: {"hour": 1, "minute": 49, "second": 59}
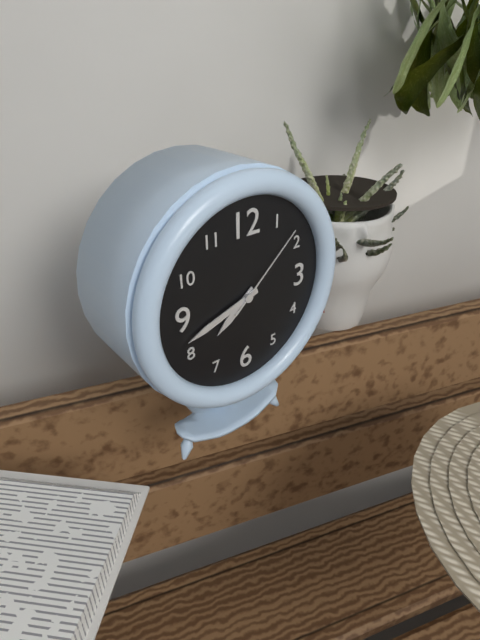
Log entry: {"hour": 7, "minute": 42, "second": 8}
